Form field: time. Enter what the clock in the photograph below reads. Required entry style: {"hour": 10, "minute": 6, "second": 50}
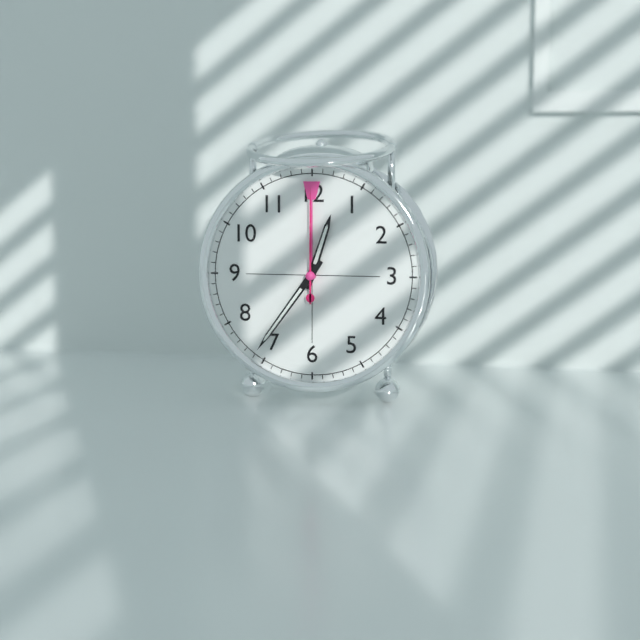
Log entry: {"hour": 12, "minute": 36, "second": 0}
